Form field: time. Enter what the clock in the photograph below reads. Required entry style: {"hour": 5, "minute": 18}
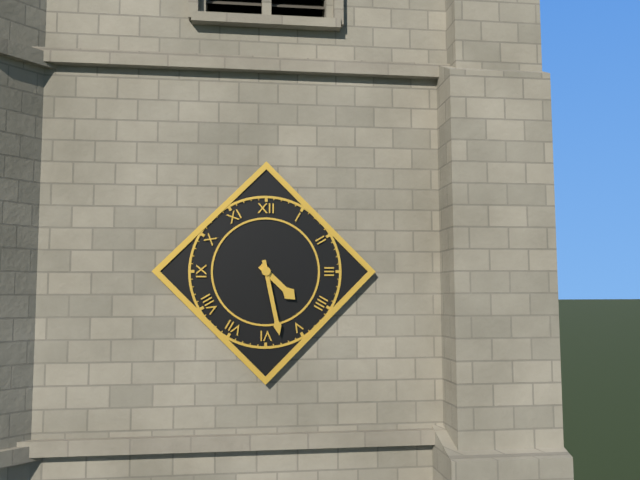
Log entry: {"hour": 4, "minute": 28}
